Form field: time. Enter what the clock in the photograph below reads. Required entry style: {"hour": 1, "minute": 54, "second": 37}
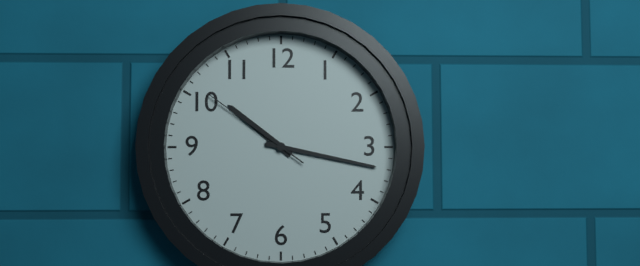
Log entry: {"hour": 10, "minute": 17, "second": 51}
